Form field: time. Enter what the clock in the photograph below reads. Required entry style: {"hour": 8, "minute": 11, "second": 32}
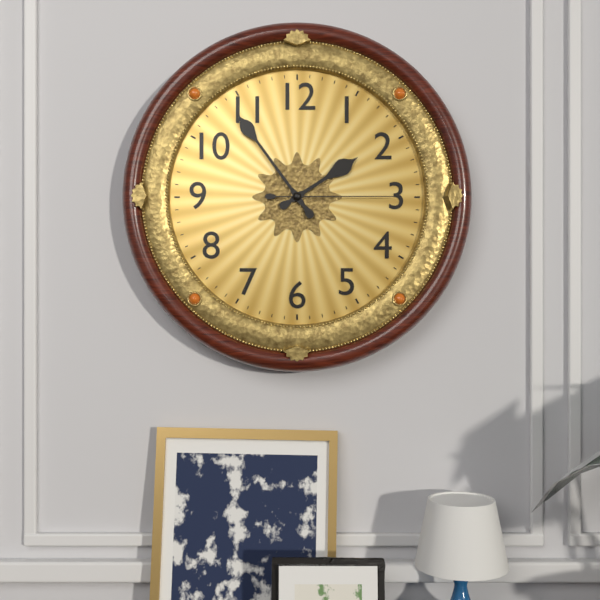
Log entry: {"hour": 1, "minute": 54, "second": 15}
